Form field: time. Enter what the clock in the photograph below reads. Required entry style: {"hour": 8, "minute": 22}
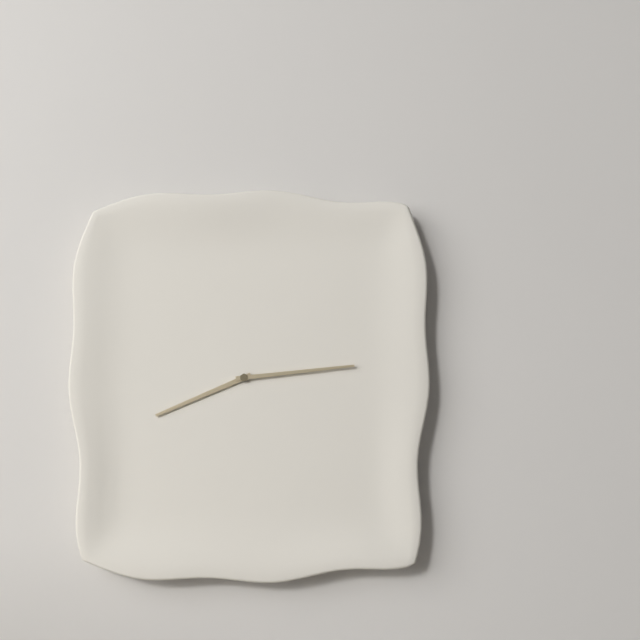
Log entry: {"hour": 8, "minute": 14}
